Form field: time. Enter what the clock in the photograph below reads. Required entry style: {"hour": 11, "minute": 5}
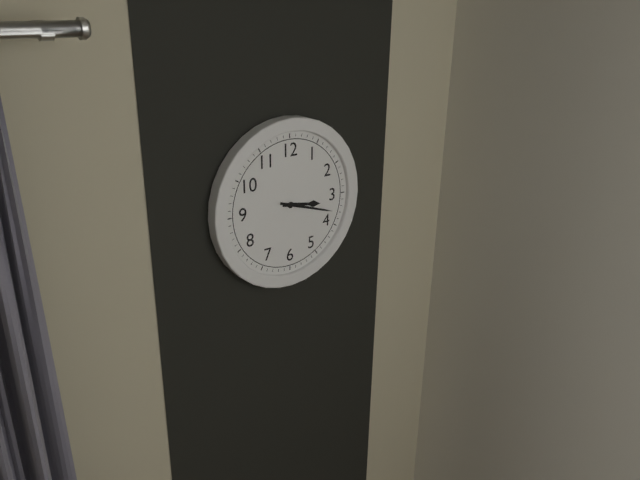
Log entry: {"hour": 3, "minute": 18}
